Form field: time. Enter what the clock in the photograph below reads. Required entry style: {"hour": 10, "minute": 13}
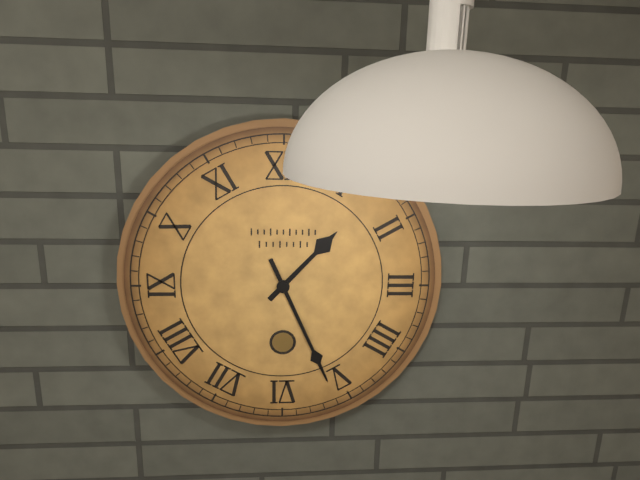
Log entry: {"hour": 1, "minute": 26}
